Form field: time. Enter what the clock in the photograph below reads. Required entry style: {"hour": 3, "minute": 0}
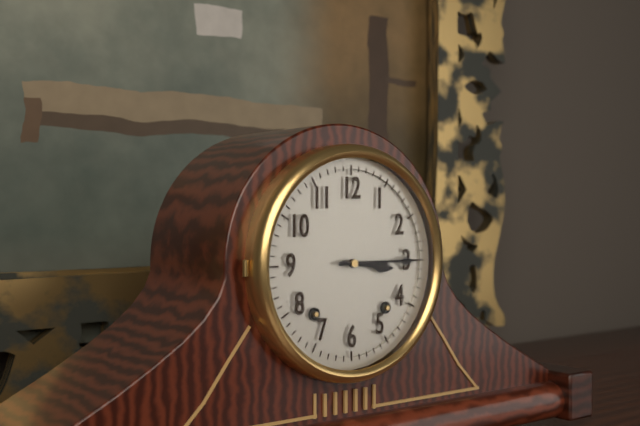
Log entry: {"hour": 3, "minute": 15}
